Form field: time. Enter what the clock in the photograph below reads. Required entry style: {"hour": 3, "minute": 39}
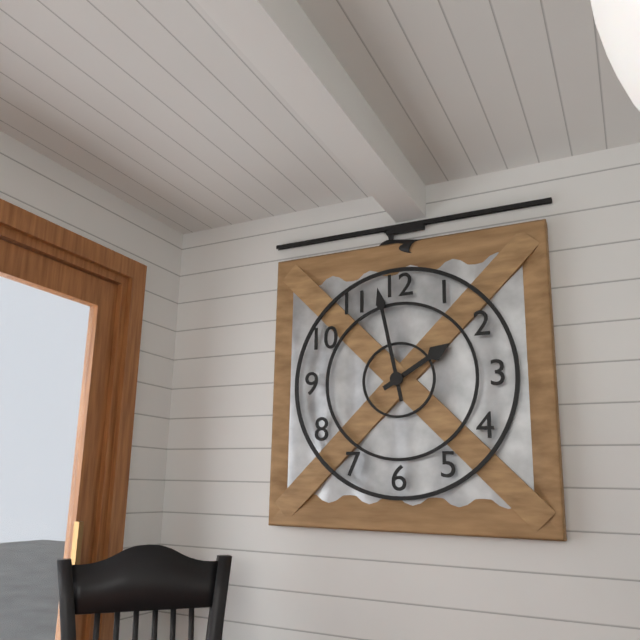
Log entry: {"hour": 1, "minute": 58}
